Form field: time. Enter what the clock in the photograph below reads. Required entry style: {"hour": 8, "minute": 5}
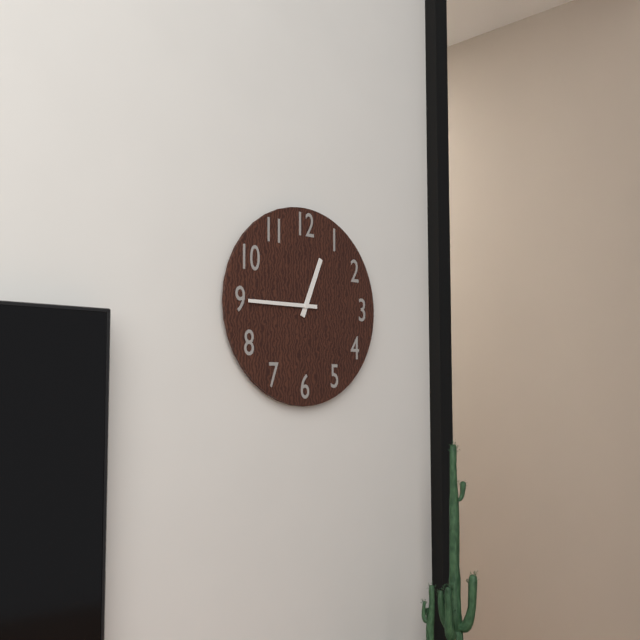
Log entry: {"hour": 12, "minute": 45}
